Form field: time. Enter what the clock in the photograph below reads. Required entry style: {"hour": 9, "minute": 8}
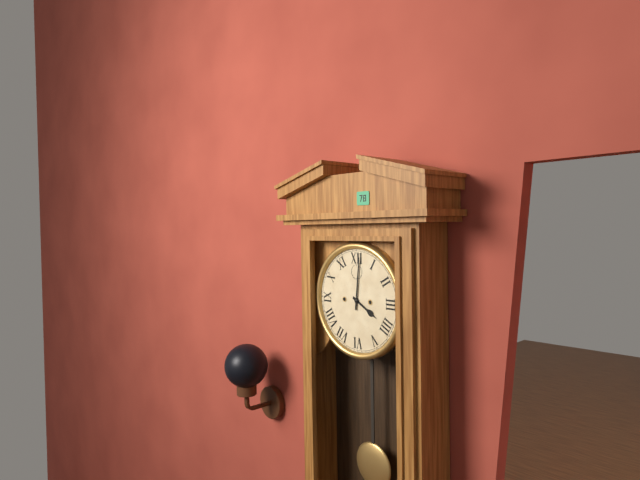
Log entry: {"hour": 4, "minute": 1}
